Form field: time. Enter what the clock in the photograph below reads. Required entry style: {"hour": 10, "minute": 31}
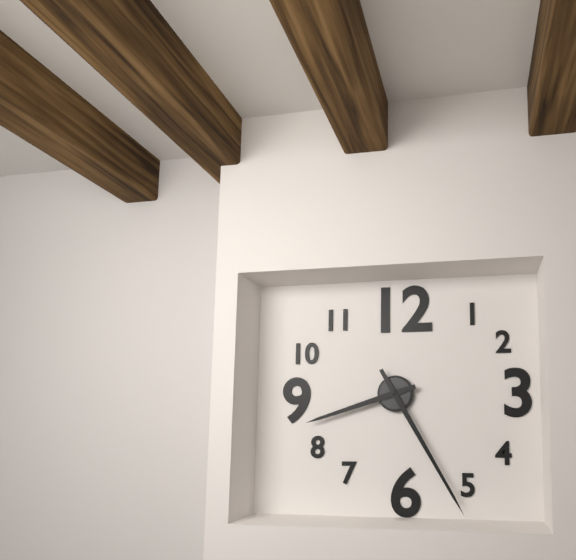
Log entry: {"hour": 8, "minute": 25}
